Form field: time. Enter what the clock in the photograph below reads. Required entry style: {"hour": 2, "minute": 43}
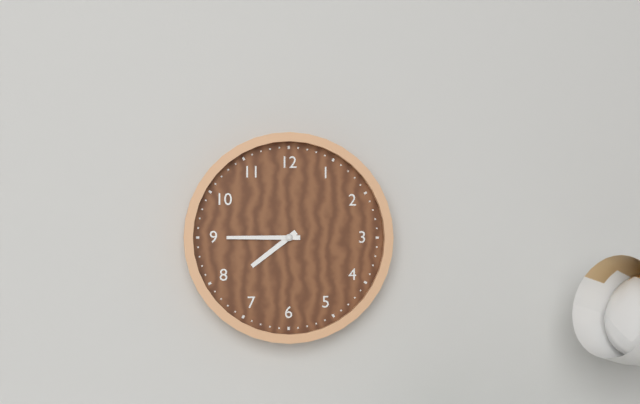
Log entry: {"hour": 7, "minute": 45}
